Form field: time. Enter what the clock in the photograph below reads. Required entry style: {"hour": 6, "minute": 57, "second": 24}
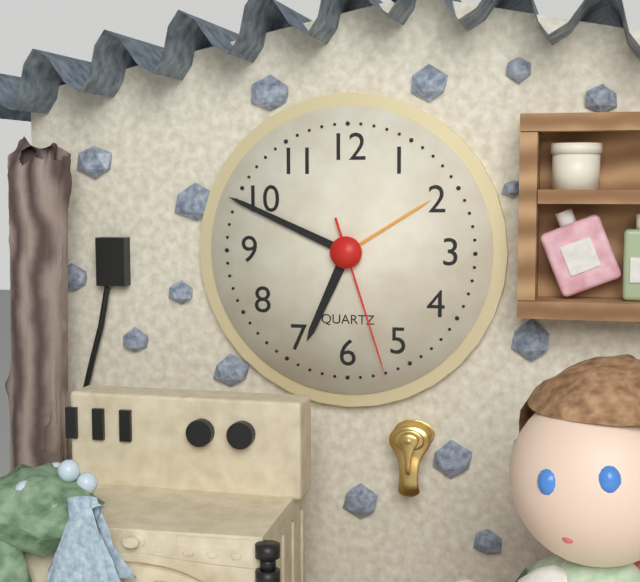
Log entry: {"hour": 6, "minute": 49, "second": 27}
